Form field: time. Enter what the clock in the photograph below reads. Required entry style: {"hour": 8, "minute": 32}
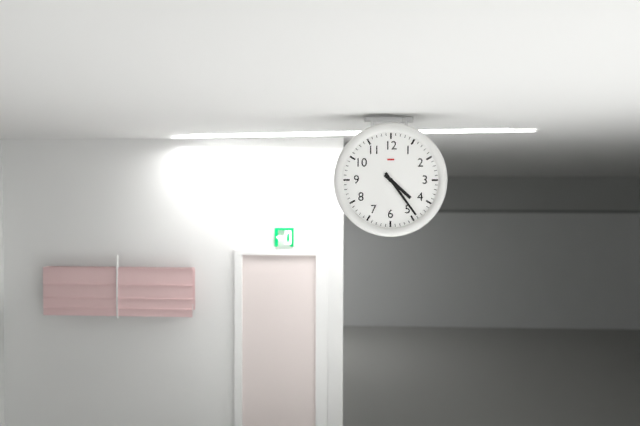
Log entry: {"hour": 4, "minute": 24}
